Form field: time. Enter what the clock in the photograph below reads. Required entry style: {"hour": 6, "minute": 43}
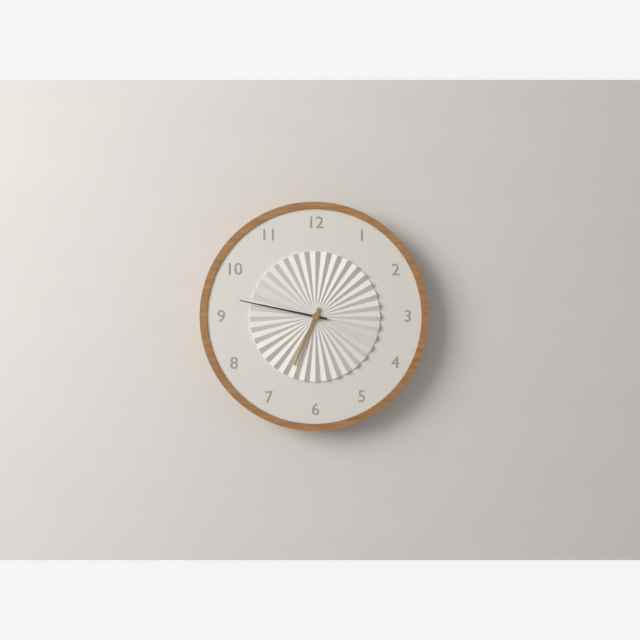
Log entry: {"hour": 6, "minute": 47}
